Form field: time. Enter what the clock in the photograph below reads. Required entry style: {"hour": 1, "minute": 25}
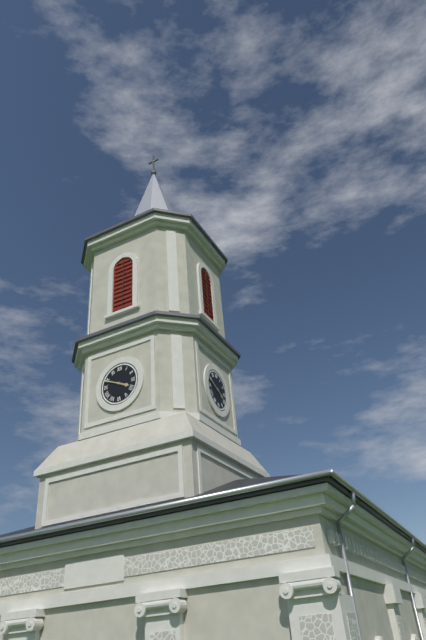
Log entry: {"hour": 3, "minute": 49}
